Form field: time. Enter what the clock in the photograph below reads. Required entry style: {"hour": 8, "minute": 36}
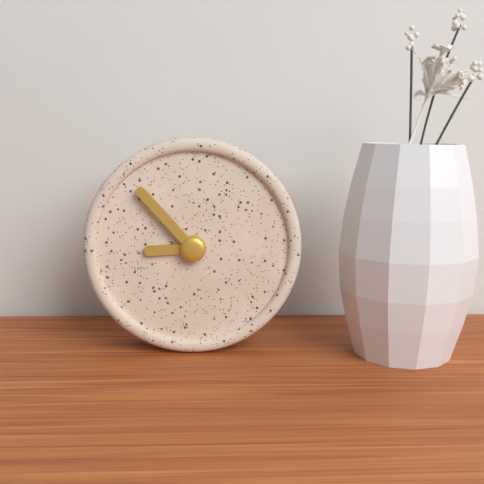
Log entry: {"hour": 8, "minute": 53}
